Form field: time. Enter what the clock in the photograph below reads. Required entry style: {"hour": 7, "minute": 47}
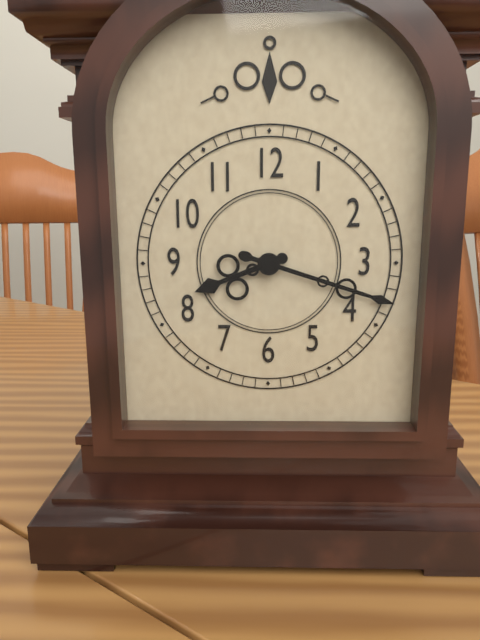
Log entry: {"hour": 8, "minute": 18}
